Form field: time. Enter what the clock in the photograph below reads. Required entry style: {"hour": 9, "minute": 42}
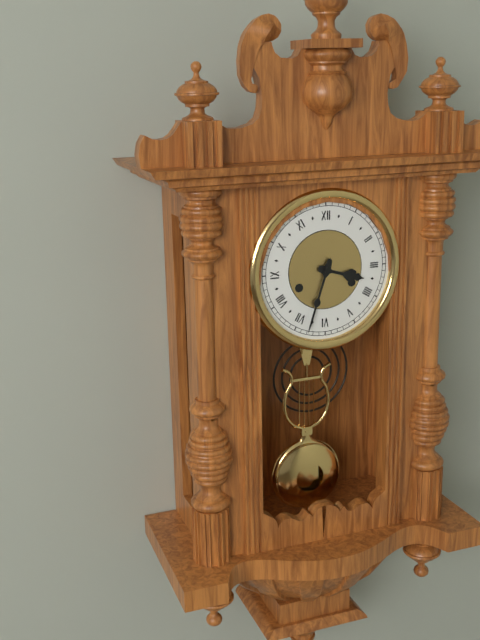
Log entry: {"hour": 3, "minute": 33}
